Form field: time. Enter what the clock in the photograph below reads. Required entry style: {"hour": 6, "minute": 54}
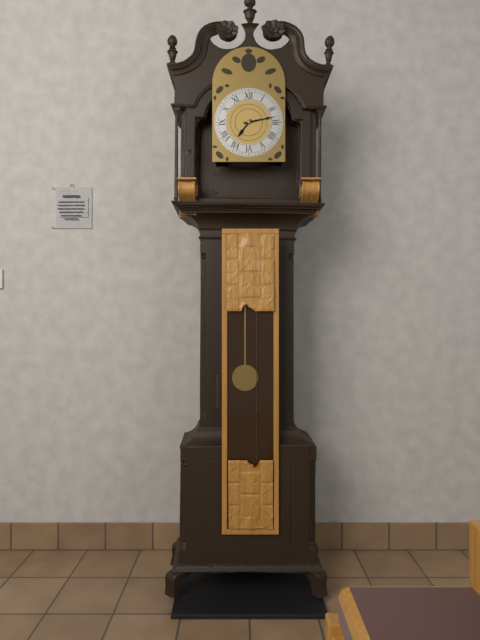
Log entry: {"hour": 7, "minute": 13}
